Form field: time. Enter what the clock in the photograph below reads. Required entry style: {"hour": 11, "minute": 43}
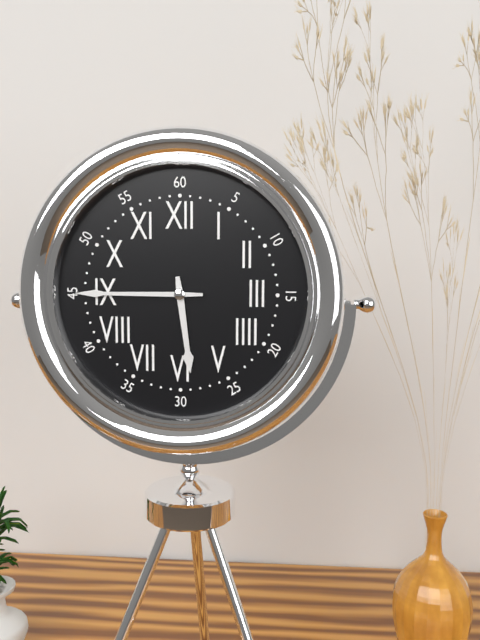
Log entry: {"hour": 5, "minute": 45}
